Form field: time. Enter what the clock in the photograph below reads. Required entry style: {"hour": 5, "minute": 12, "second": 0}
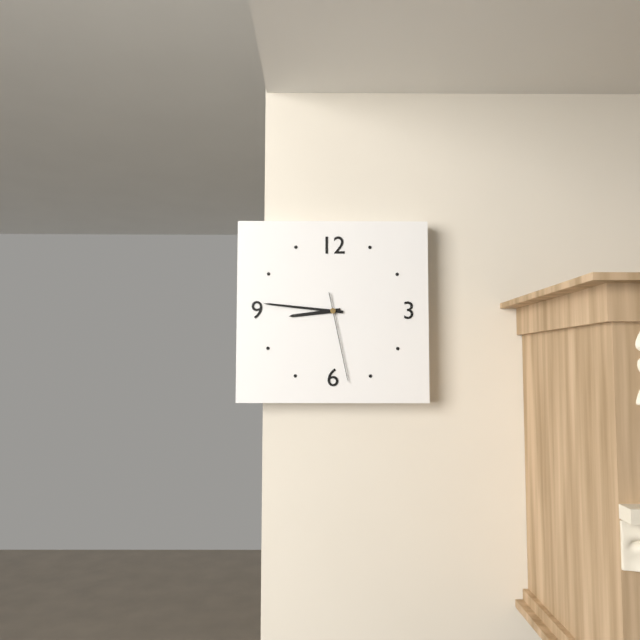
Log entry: {"hour": 8, "minute": 46, "second": 28}
